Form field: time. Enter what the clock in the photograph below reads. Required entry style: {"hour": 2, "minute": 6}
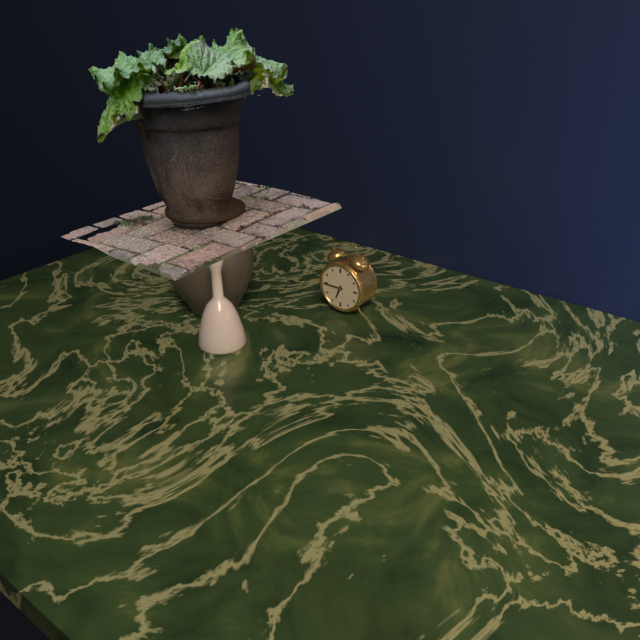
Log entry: {"hour": 6, "minute": 45}
